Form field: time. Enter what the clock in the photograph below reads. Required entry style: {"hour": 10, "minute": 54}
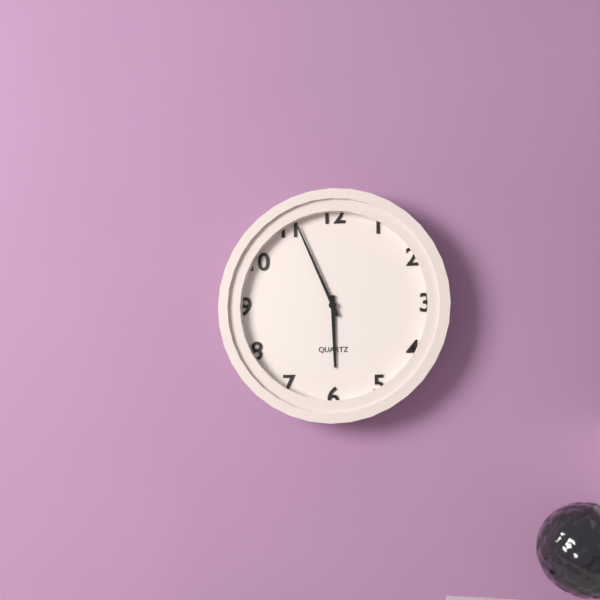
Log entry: {"hour": 5, "minute": 56}
